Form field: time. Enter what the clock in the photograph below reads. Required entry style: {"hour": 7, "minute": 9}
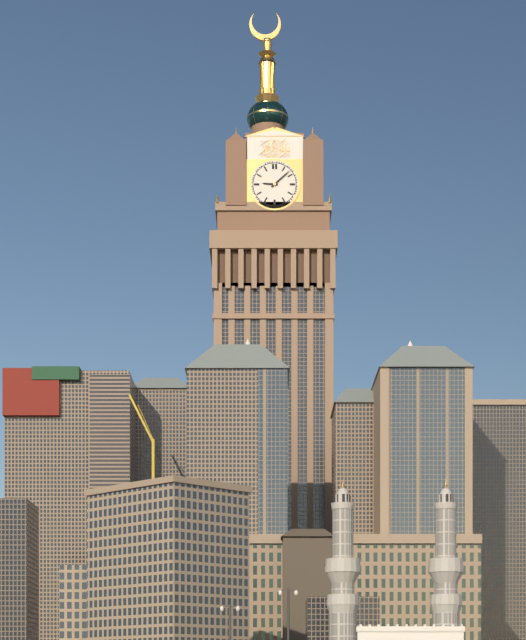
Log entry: {"hour": 9, "minute": 8}
